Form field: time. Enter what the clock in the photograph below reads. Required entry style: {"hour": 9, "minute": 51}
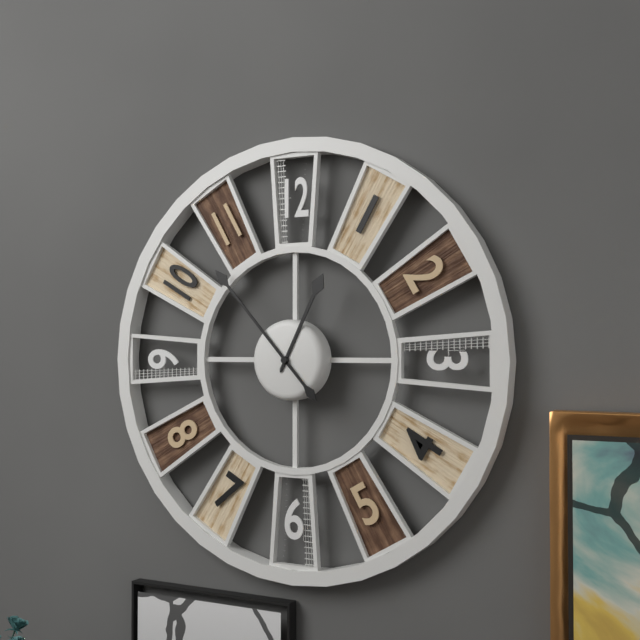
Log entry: {"hour": 12, "minute": 53}
